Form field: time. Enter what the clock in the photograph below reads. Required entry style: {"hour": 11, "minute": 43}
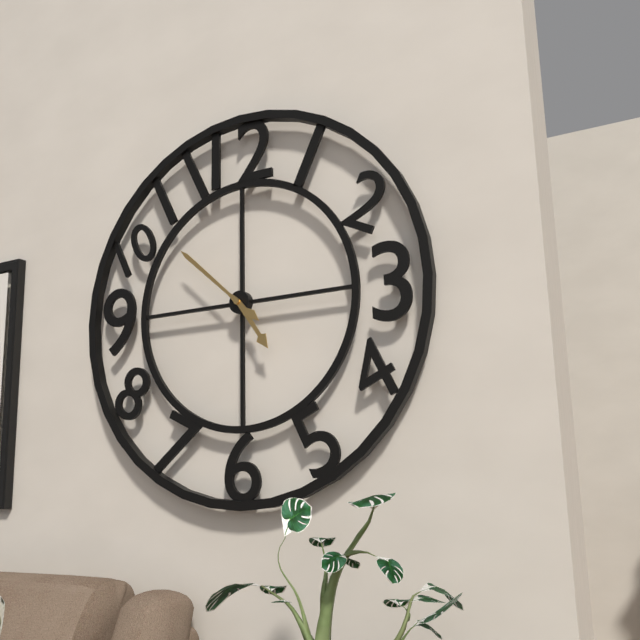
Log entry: {"hour": 4, "minute": 52}
